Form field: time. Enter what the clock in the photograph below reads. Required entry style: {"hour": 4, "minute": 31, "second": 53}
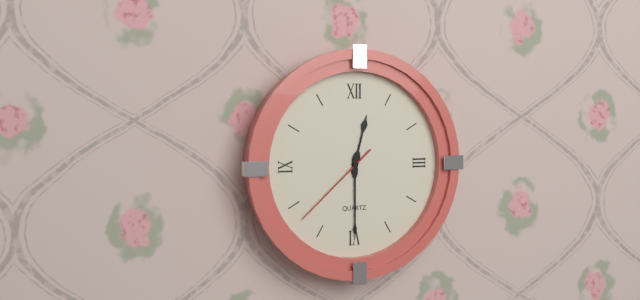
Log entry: {"hour": 12, "minute": 30, "second": 38}
